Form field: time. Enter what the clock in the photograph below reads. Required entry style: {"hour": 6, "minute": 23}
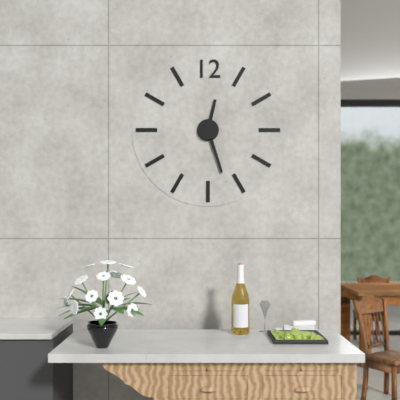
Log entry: {"hour": 12, "minute": 27}
